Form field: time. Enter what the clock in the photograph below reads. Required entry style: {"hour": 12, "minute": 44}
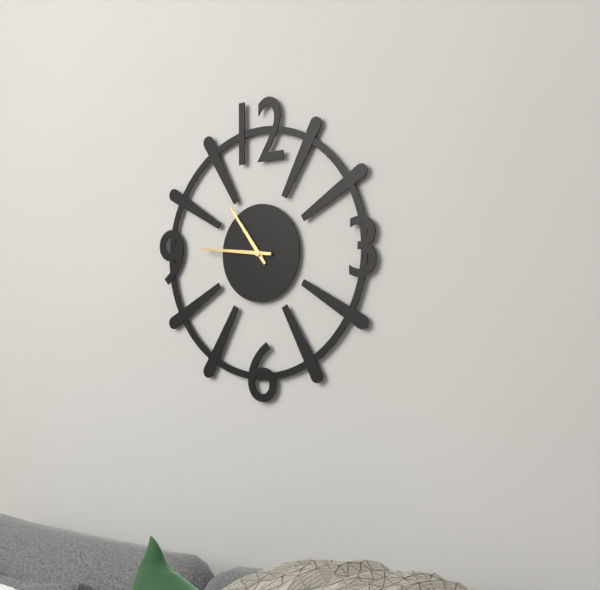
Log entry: {"hour": 10, "minute": 46}
